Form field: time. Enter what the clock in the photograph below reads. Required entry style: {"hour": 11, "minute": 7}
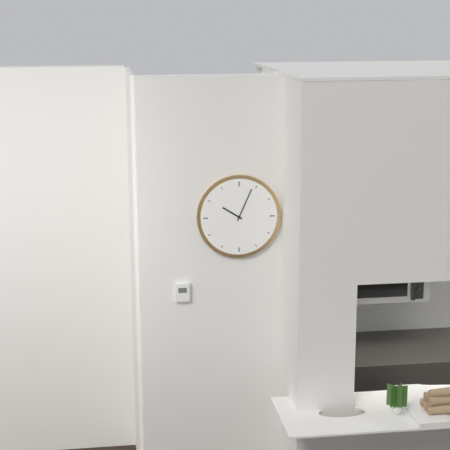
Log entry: {"hour": 10, "minute": 4}
